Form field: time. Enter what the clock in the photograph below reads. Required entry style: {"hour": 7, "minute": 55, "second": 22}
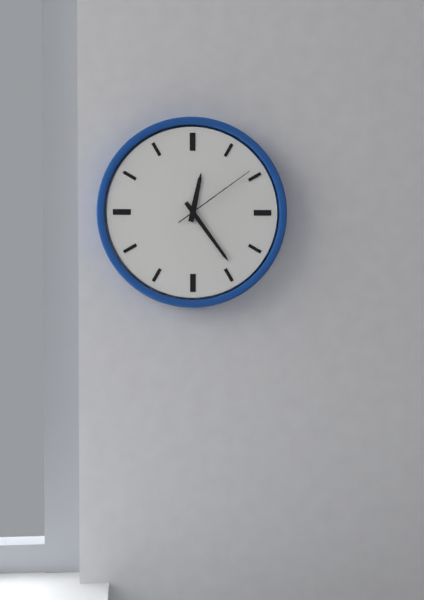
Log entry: {"hour": 12, "minute": 24, "second": 9}
